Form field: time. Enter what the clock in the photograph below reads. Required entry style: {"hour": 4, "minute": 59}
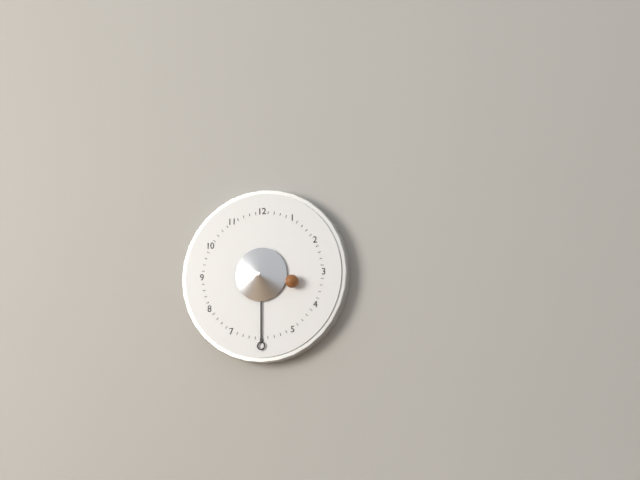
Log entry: {"hour": 3, "minute": 30}
